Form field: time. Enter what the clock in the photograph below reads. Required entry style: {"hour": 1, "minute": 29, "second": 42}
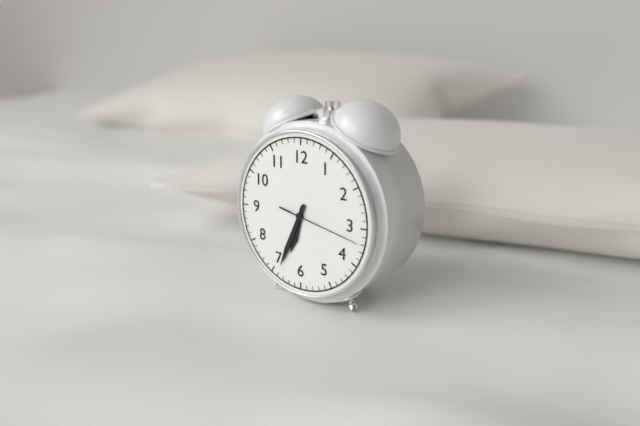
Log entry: {"hour": 6, "minute": 34, "second": 17}
